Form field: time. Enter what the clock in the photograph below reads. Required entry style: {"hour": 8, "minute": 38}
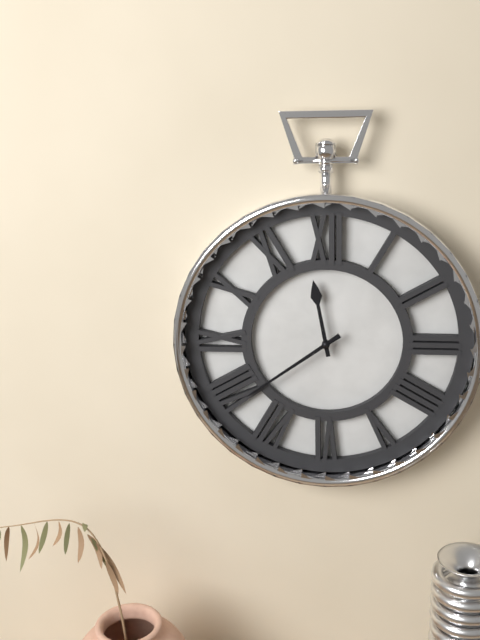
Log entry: {"hour": 11, "minute": 39}
